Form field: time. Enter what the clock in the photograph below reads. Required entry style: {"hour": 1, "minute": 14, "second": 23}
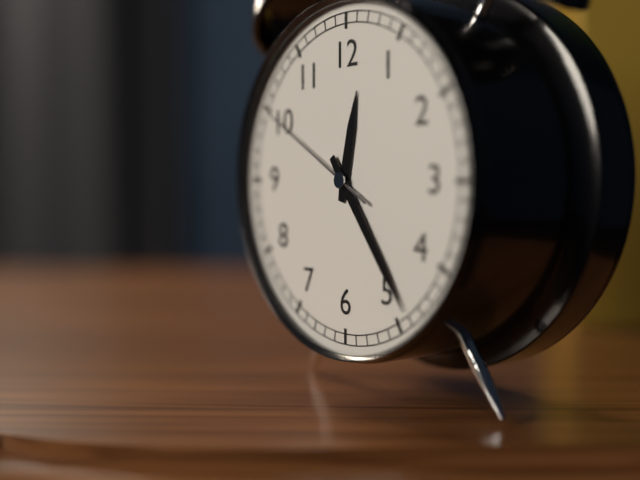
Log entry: {"hour": 12, "minute": 24, "second": 50}
